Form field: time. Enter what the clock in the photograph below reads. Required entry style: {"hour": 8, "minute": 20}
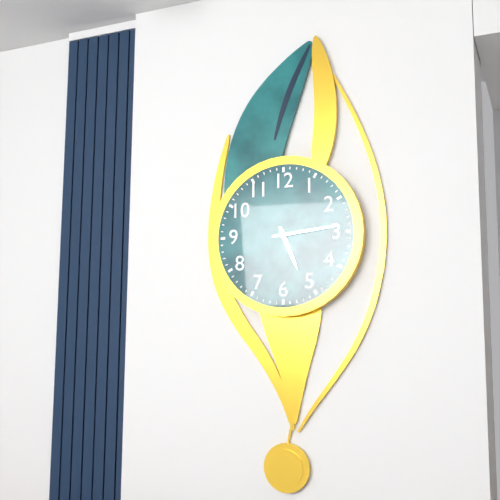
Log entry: {"hour": 5, "minute": 14}
